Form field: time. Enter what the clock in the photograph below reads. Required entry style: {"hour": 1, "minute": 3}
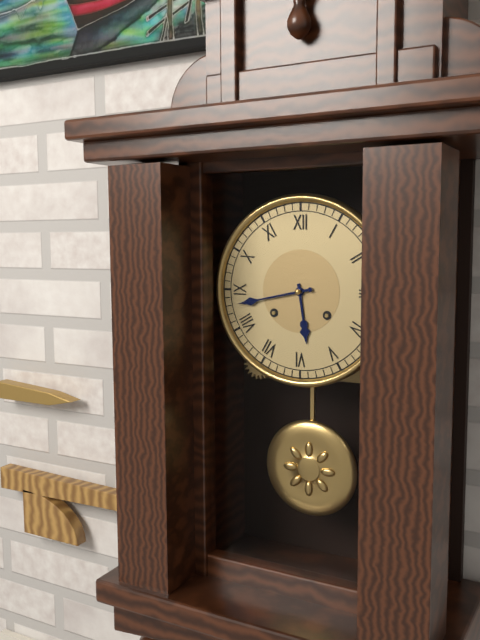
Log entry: {"hour": 5, "minute": 43}
